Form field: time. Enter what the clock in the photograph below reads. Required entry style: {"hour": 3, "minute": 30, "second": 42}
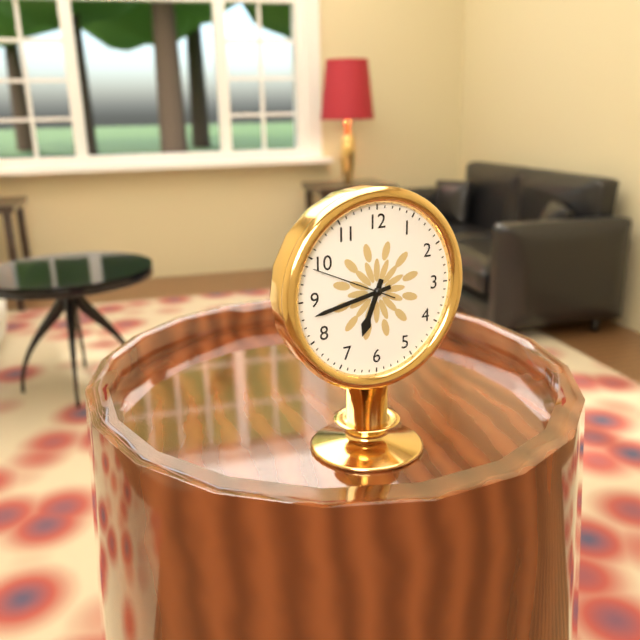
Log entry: {"hour": 6, "minute": 43, "second": 49}
